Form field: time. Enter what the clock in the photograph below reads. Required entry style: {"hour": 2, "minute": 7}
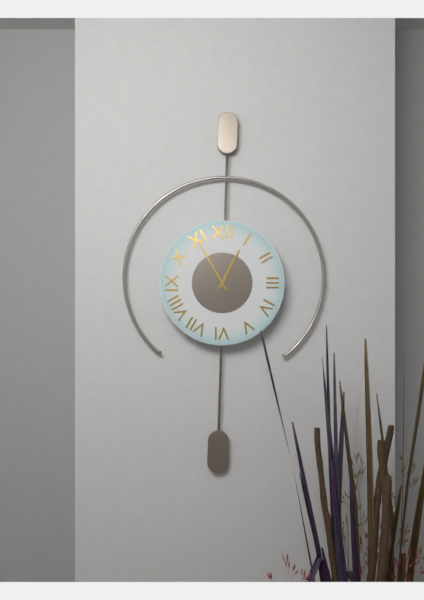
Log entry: {"hour": 12, "minute": 55}
